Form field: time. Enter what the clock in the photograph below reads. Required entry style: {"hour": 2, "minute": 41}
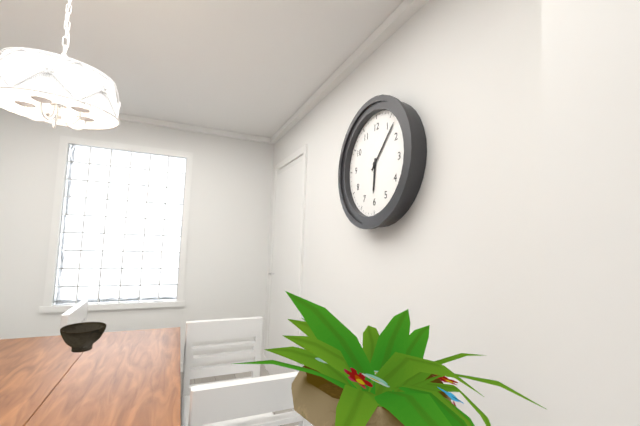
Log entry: {"hour": 6, "minute": 7}
